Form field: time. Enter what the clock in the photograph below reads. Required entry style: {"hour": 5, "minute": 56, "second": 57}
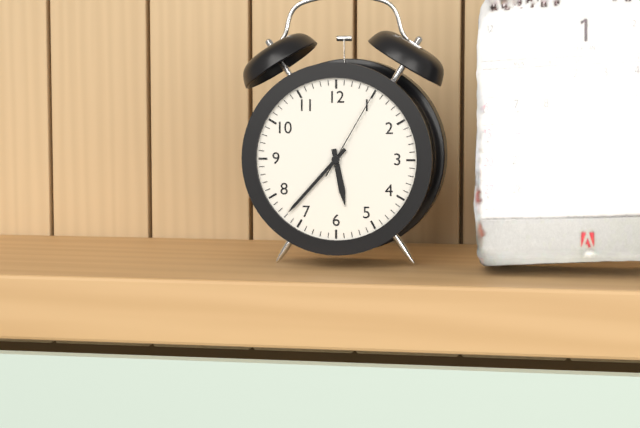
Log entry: {"hour": 5, "minute": 37, "second": 5}
